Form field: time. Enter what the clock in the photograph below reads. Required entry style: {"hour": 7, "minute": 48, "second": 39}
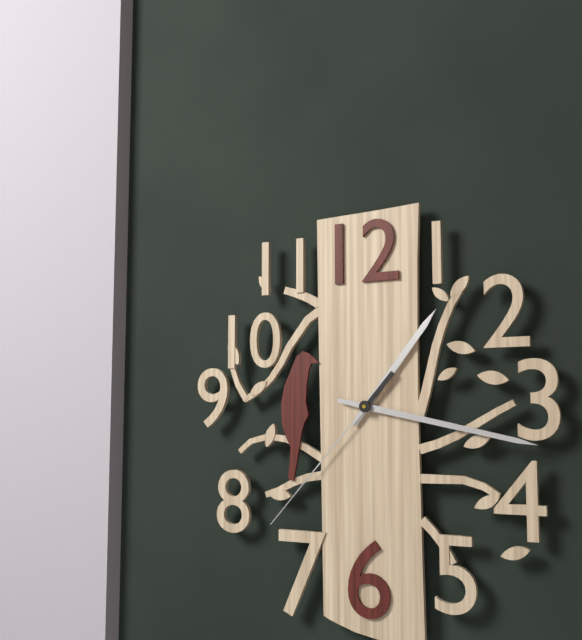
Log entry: {"hour": 1, "minute": 17, "second": 37}
